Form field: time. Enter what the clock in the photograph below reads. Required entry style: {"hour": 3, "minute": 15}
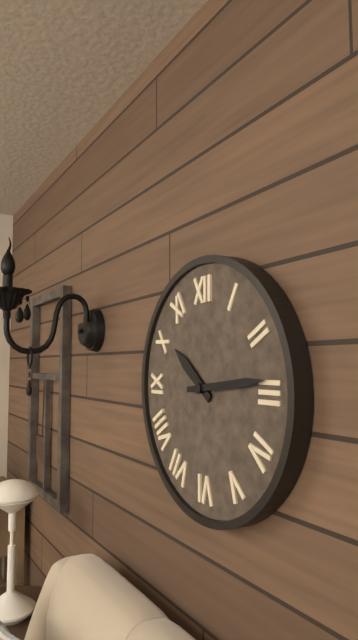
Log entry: {"hour": 10, "minute": 14}
